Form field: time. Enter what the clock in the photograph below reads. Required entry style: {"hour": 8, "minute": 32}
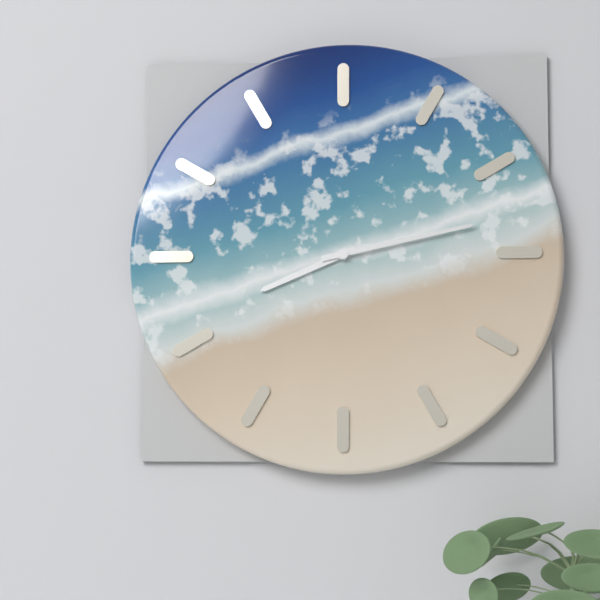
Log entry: {"hour": 8, "minute": 13}
